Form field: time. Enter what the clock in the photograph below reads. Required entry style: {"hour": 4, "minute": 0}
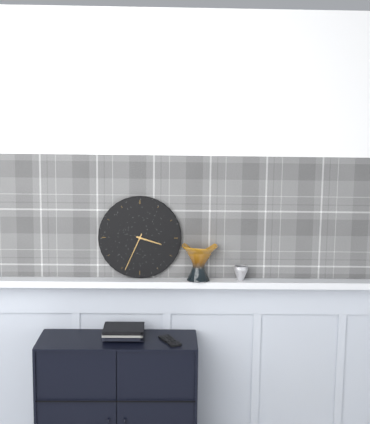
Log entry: {"hour": 3, "minute": 34}
